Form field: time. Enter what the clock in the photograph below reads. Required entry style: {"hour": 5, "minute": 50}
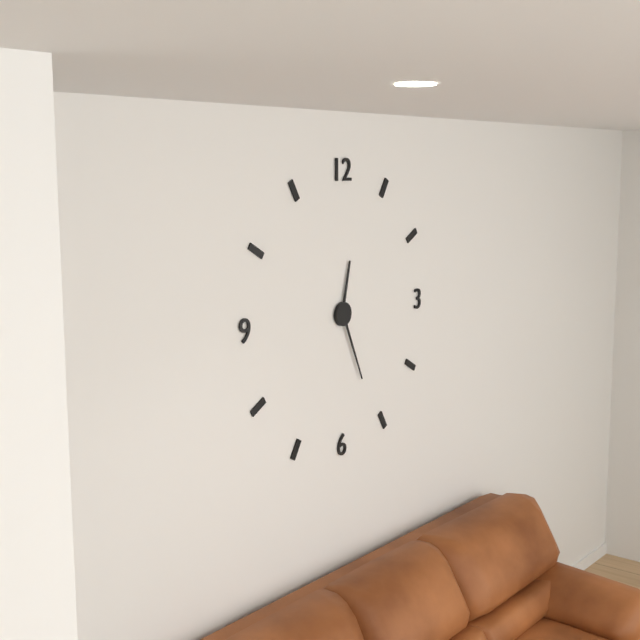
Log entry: {"hour": 12, "minute": 26}
